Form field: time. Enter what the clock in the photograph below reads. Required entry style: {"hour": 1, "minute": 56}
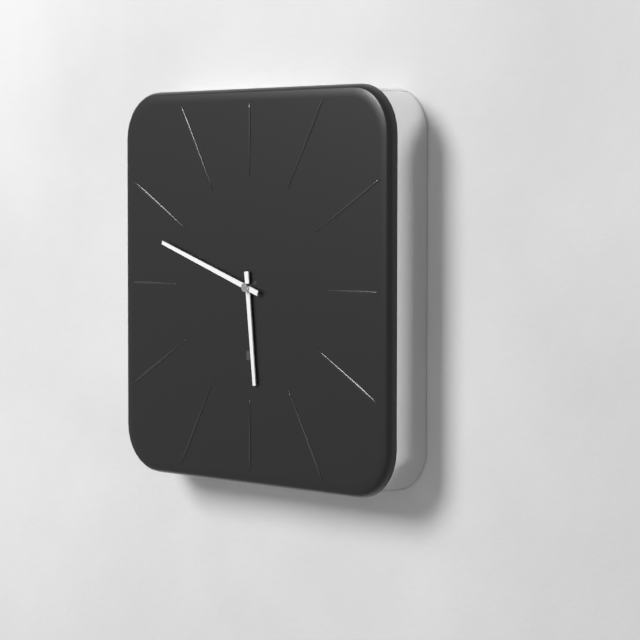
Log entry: {"hour": 5, "minute": 48}
